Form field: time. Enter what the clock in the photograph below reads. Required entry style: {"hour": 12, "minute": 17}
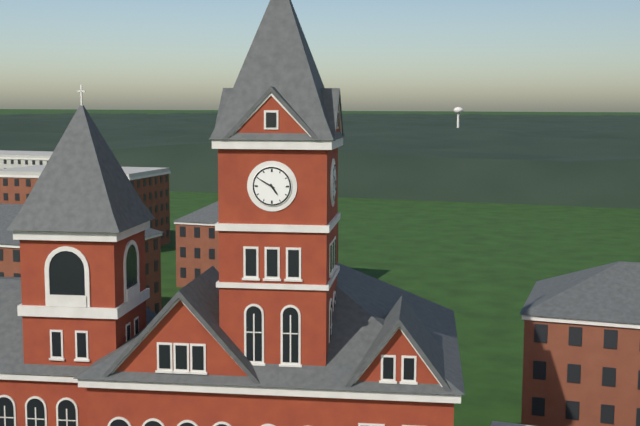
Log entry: {"hour": 4, "minute": 50}
